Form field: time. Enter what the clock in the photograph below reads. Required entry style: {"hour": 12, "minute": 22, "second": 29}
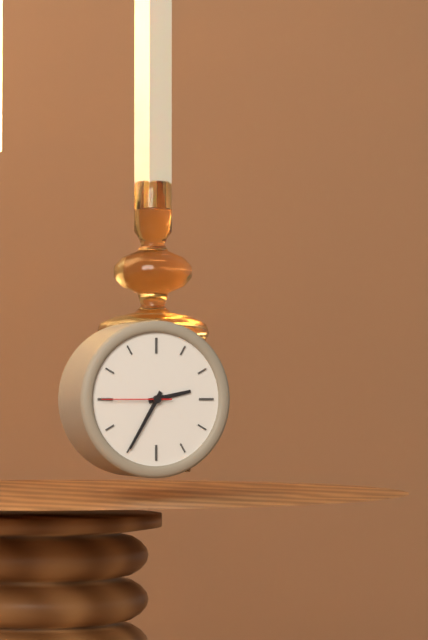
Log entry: {"hour": 2, "minute": 35, "second": 45}
